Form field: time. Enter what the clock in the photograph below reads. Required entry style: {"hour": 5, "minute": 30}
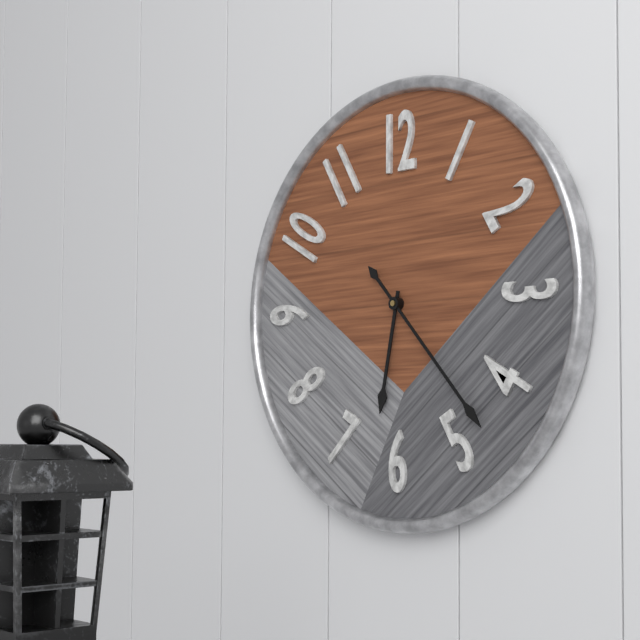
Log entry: {"hour": 6, "minute": 23}
